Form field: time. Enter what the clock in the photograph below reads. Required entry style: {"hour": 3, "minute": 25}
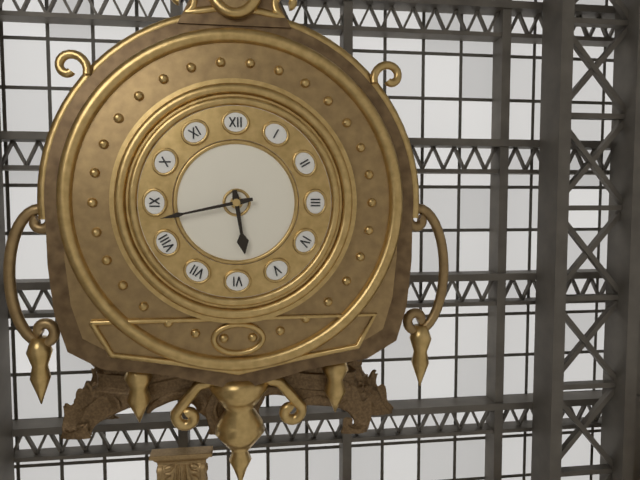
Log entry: {"hour": 5, "minute": 43}
